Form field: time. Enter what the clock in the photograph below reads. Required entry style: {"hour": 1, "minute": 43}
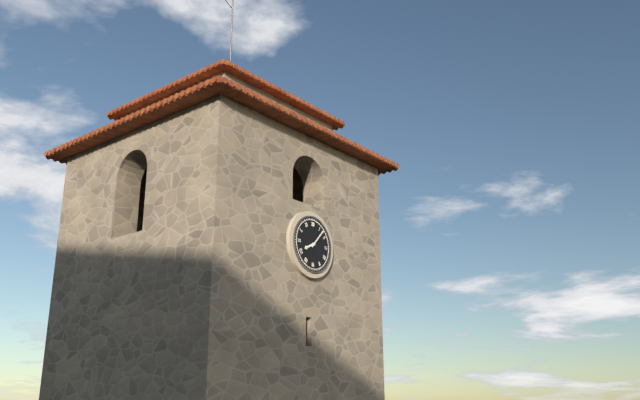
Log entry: {"hour": 8, "minute": 7}
